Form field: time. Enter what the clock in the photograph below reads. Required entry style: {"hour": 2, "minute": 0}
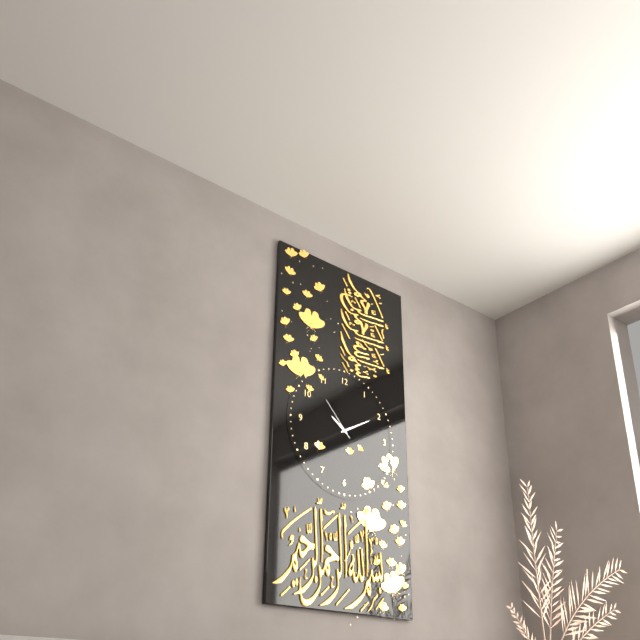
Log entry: {"hour": 10, "minute": 10}
